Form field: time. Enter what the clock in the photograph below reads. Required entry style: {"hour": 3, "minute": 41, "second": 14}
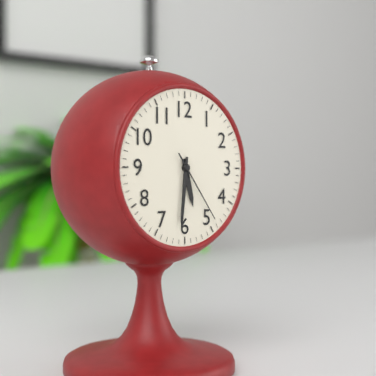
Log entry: {"hour": 5, "minute": 31, "second": 24}
